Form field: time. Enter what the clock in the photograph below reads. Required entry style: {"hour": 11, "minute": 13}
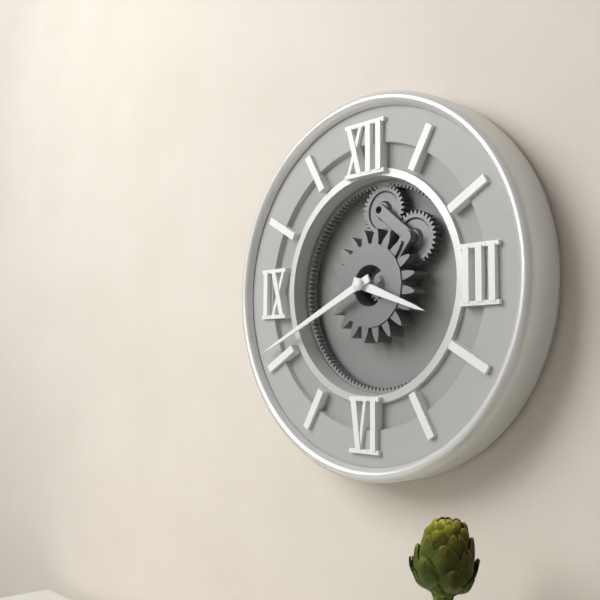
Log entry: {"hour": 3, "minute": 41}
